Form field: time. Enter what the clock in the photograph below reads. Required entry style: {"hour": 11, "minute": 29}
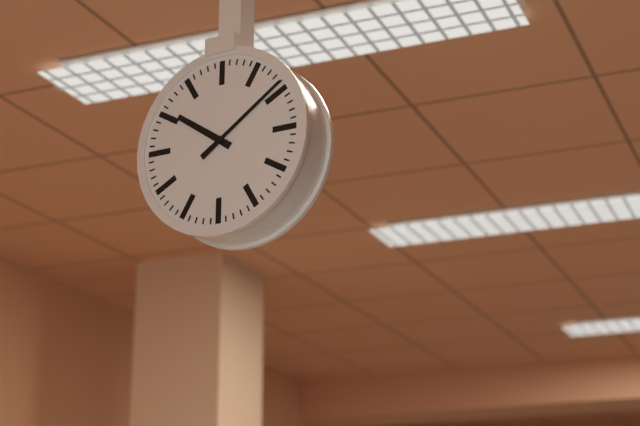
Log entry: {"hour": 10, "minute": 9}
